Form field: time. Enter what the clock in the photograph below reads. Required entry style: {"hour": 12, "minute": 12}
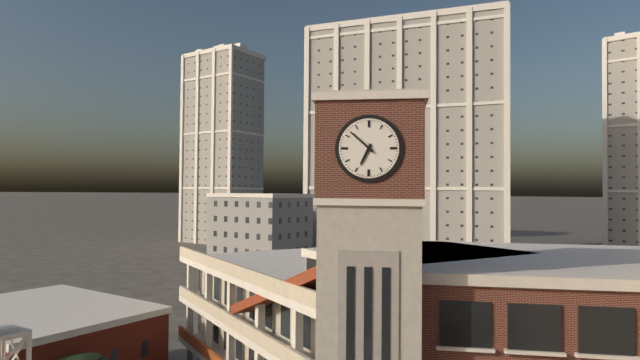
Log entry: {"hour": 6, "minute": 52}
